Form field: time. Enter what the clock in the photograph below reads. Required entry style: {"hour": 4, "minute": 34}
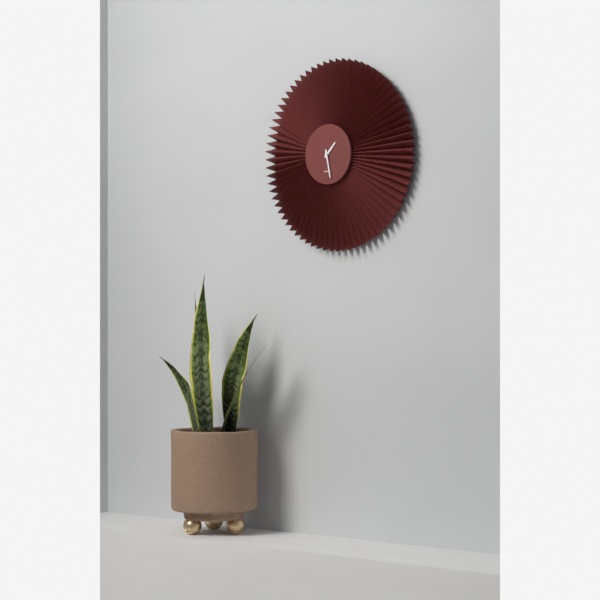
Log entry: {"hour": 1, "minute": 28}
